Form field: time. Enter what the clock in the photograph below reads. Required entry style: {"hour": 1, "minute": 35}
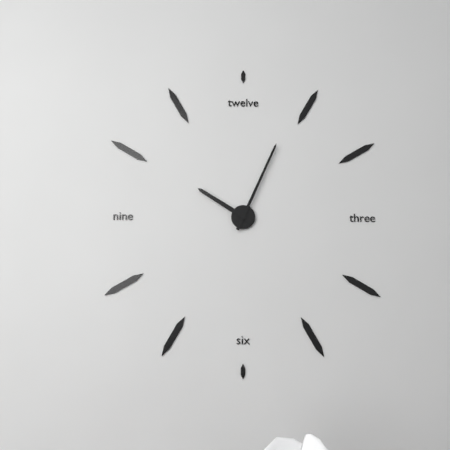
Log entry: {"hour": 10, "minute": 4}
